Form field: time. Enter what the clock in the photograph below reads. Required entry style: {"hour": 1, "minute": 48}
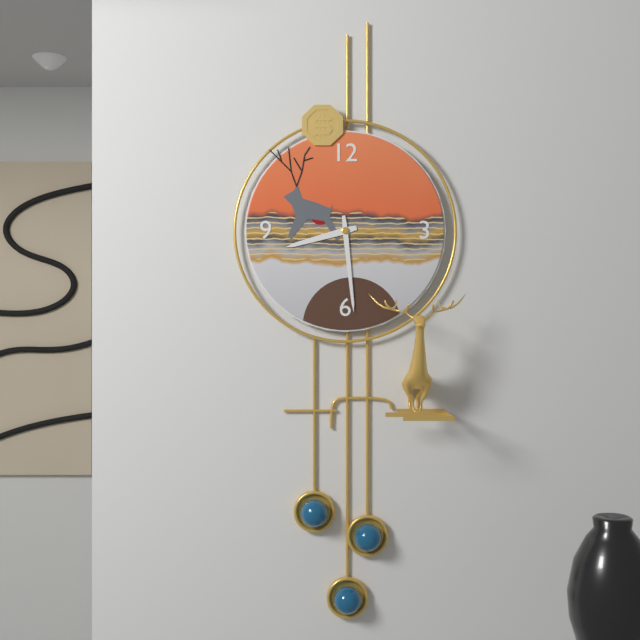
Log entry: {"hour": 8, "minute": 29}
